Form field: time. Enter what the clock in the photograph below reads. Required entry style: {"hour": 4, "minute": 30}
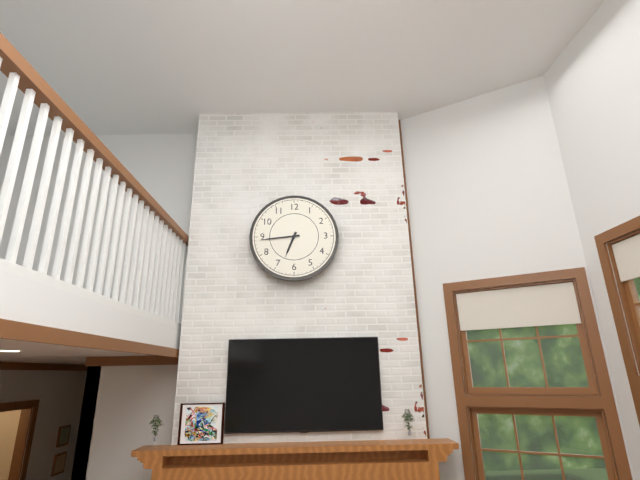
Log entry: {"hour": 6, "minute": 44}
